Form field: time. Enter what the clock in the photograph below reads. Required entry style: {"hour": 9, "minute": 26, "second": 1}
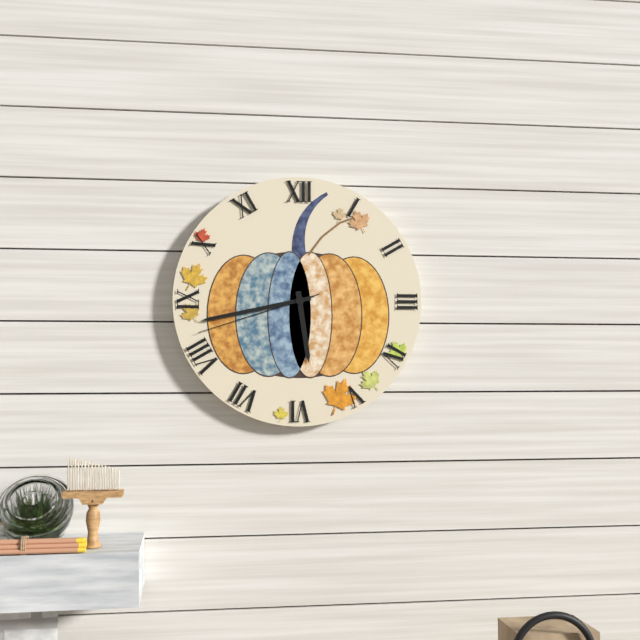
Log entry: {"hour": 5, "minute": 43, "second": 42}
